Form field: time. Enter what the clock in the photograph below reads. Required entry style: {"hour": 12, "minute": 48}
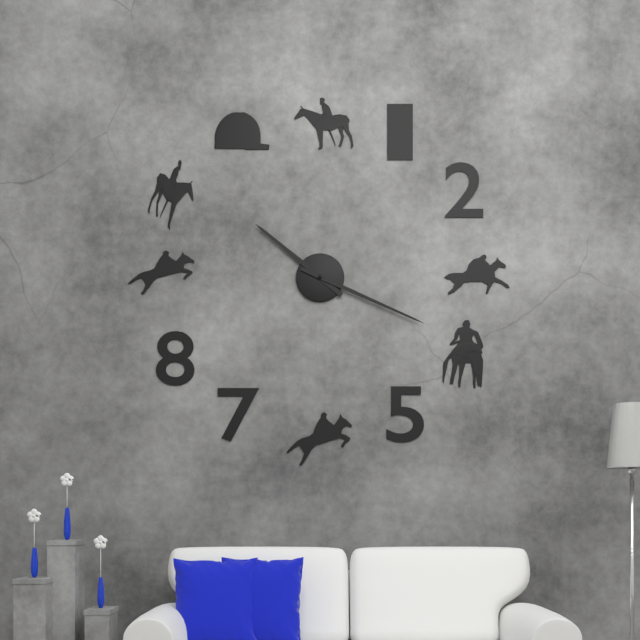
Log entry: {"hour": 10, "minute": 19}
